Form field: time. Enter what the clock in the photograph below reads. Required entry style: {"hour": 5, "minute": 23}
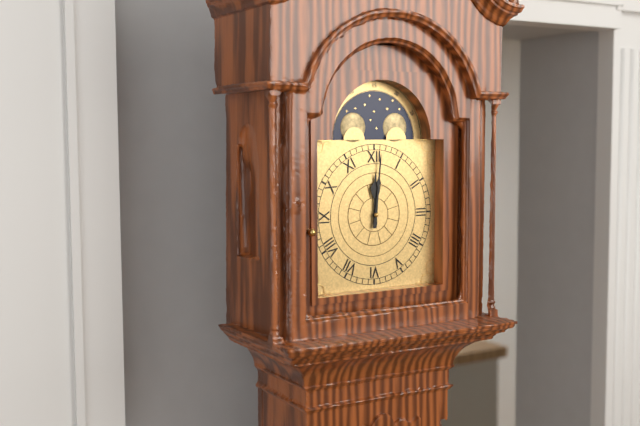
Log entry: {"hour": 12, "minute": 1}
